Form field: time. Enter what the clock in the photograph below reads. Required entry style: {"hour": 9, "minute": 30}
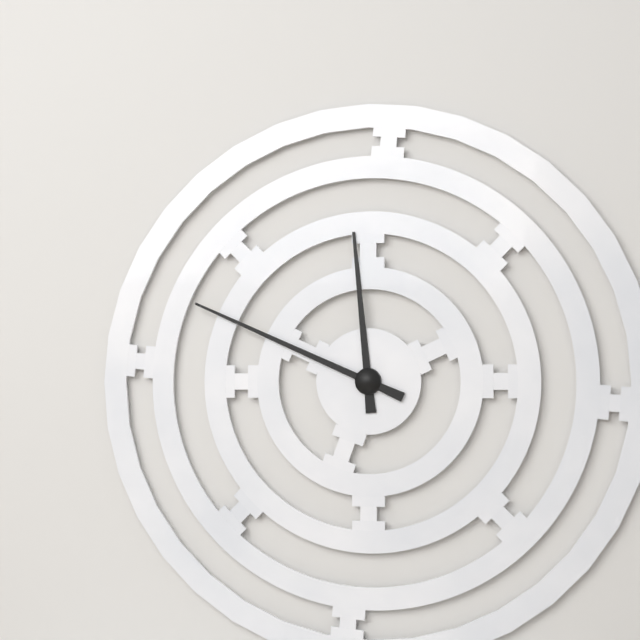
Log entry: {"hour": 11, "minute": 49}
